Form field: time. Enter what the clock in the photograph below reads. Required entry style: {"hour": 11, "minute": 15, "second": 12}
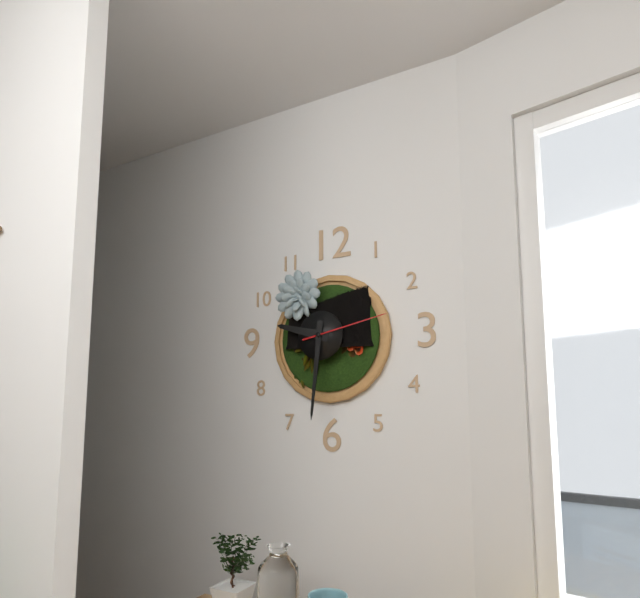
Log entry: {"hour": 9, "minute": 31, "second": 13}
